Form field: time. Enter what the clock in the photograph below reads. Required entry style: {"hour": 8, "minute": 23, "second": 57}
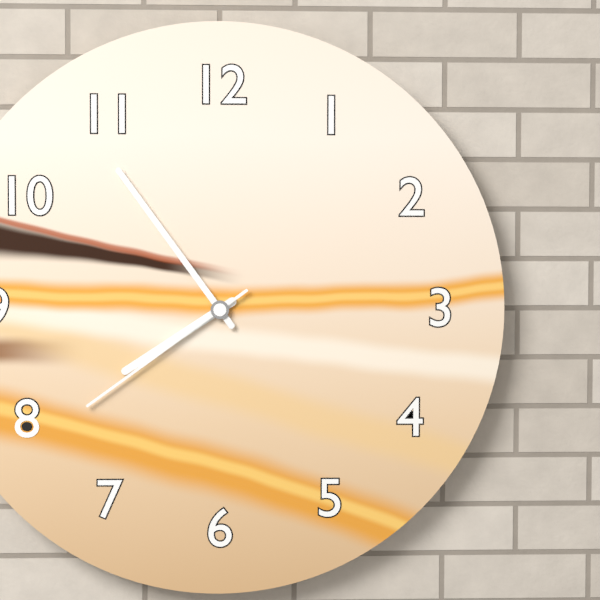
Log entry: {"hour": 7, "minute": 54, "second": 39}
